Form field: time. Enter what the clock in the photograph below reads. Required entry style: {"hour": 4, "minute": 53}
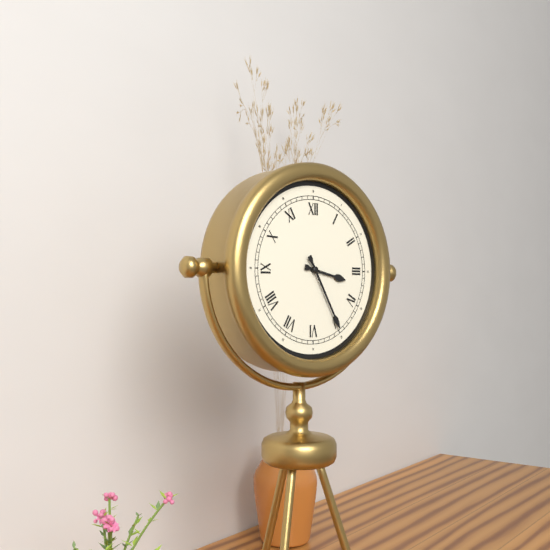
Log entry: {"hour": 3, "minute": 25}
